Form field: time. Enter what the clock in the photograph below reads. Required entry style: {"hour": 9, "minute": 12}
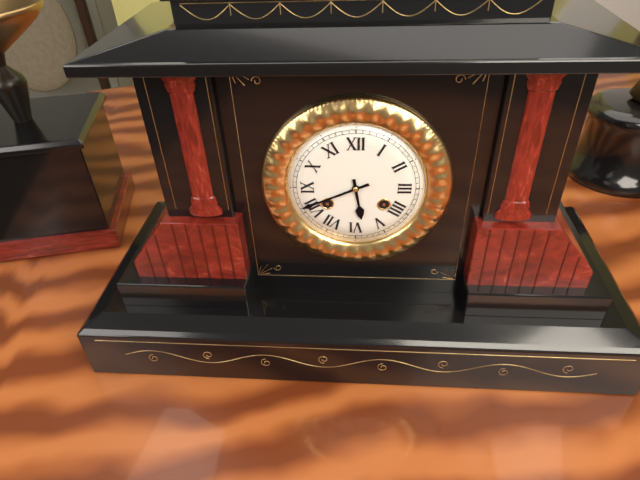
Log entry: {"hour": 5, "minute": 41}
